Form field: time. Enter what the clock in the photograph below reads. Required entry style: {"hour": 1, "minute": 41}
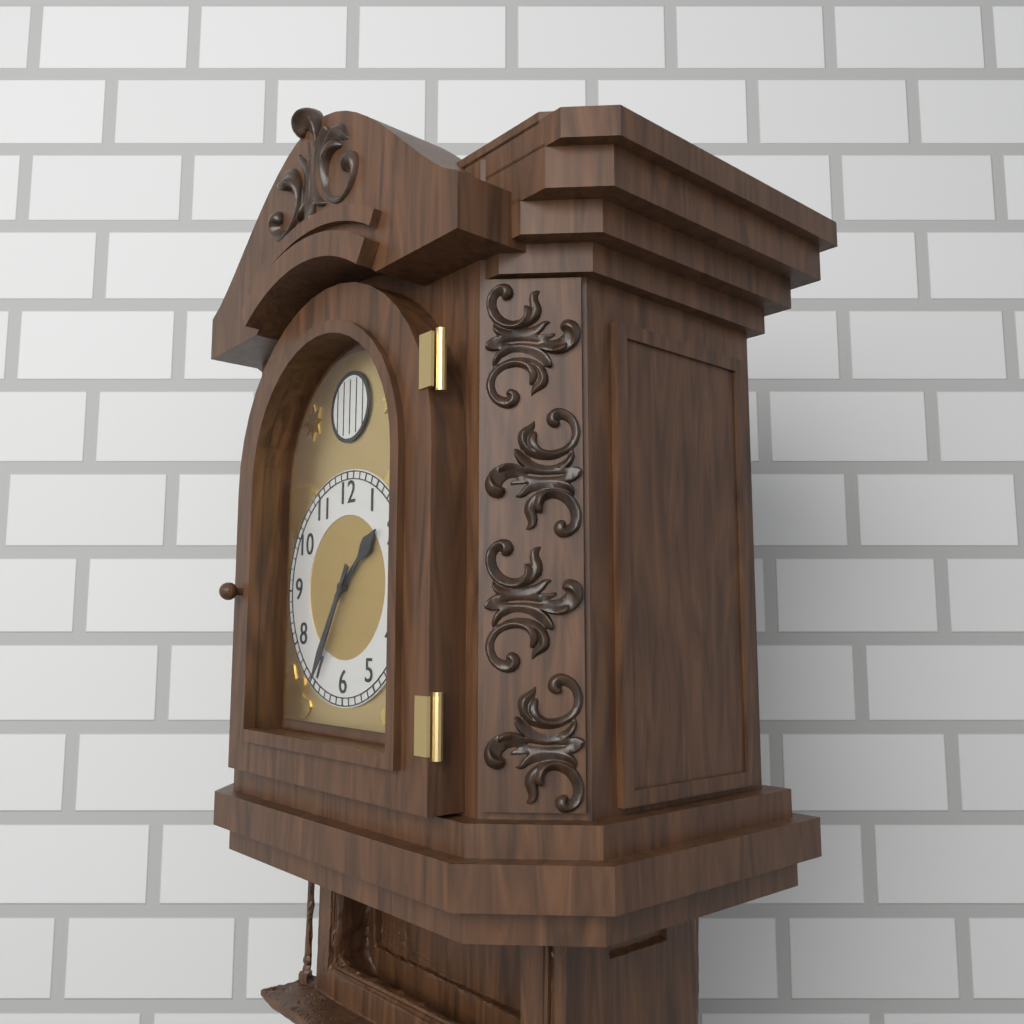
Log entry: {"hour": 1, "minute": 35}
